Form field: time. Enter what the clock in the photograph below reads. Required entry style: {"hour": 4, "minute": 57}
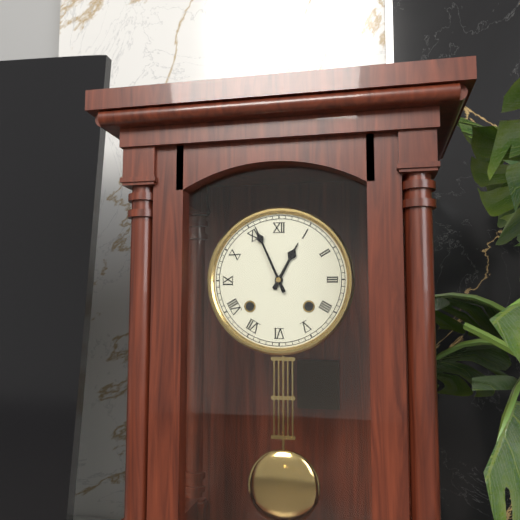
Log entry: {"hour": 12, "minute": 56}
